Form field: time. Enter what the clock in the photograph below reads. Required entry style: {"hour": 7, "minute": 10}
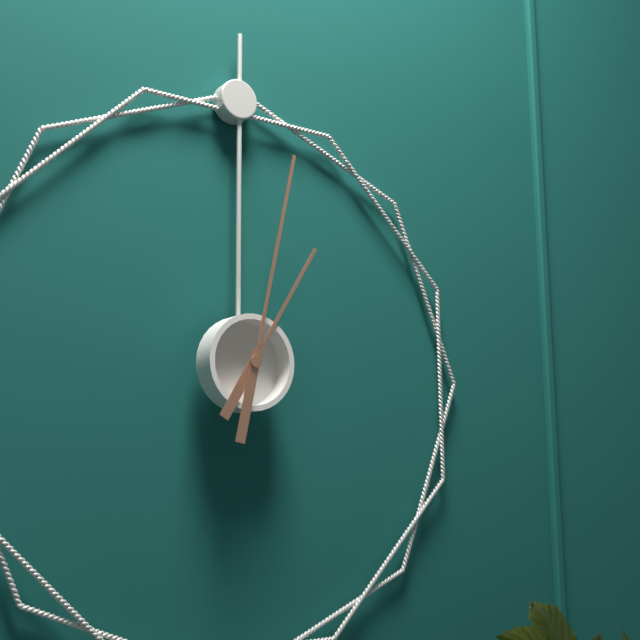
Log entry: {"hour": 1, "minute": 2}
